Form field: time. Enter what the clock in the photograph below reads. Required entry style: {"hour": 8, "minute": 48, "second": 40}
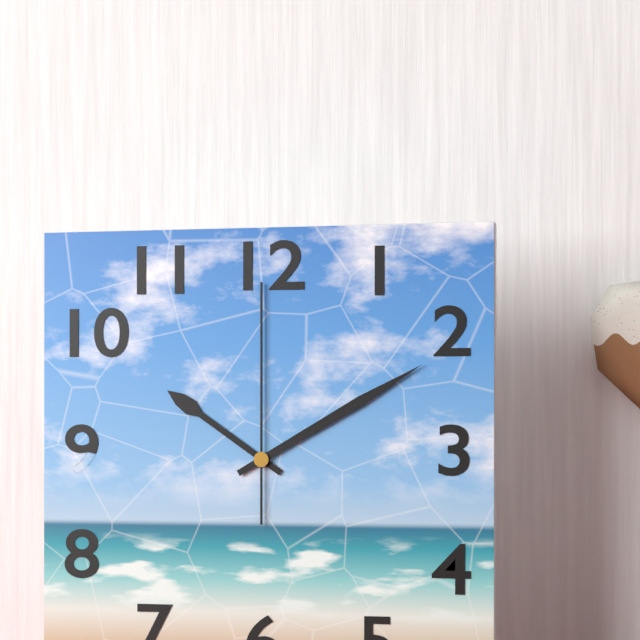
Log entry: {"hour": 10, "minute": 10, "second": 0}
